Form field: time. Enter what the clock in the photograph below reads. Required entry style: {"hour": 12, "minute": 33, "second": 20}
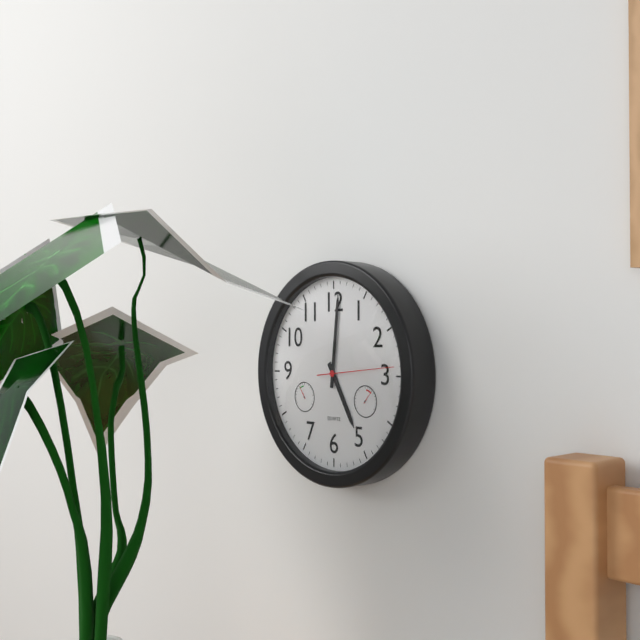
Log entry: {"hour": 5, "minute": 1, "second": 14}
